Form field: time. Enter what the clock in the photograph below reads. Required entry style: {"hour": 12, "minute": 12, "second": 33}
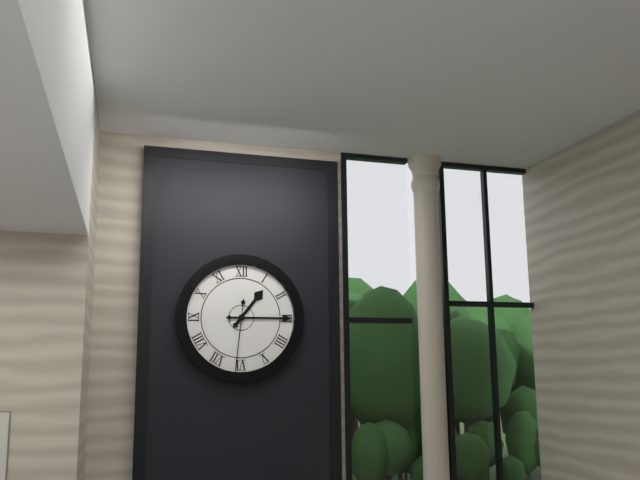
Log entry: {"hour": 1, "minute": 15, "second": 31}
